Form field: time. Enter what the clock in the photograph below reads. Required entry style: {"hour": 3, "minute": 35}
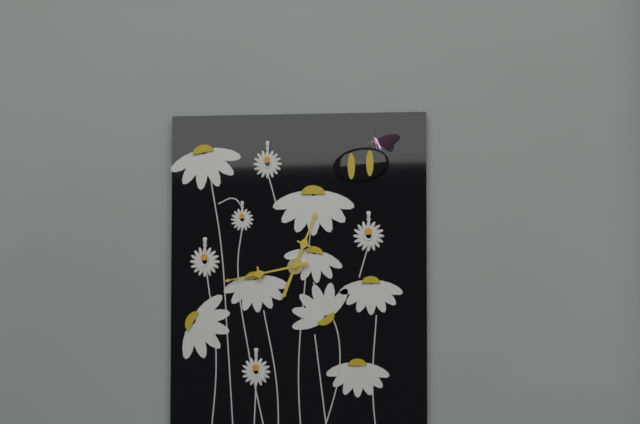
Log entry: {"hour": 12, "minute": 43}
